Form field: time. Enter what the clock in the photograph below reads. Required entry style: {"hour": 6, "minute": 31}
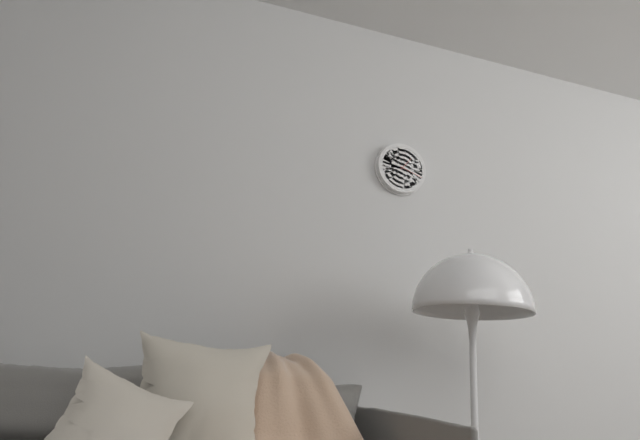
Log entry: {"hour": 1, "minute": 18}
